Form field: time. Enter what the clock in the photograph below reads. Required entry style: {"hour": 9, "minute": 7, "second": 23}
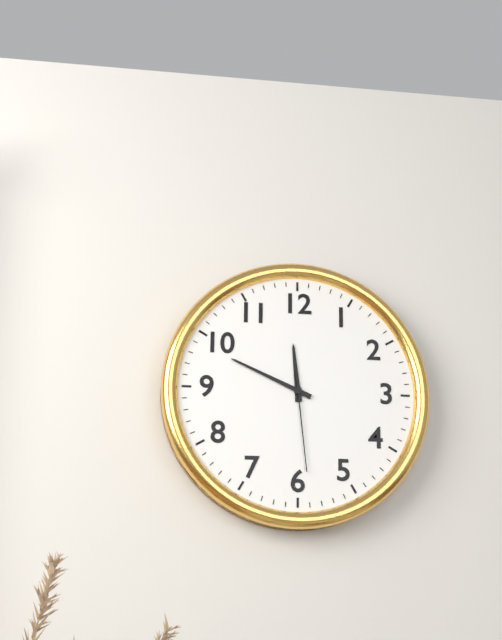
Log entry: {"hour": 11, "minute": 49, "second": 29}
